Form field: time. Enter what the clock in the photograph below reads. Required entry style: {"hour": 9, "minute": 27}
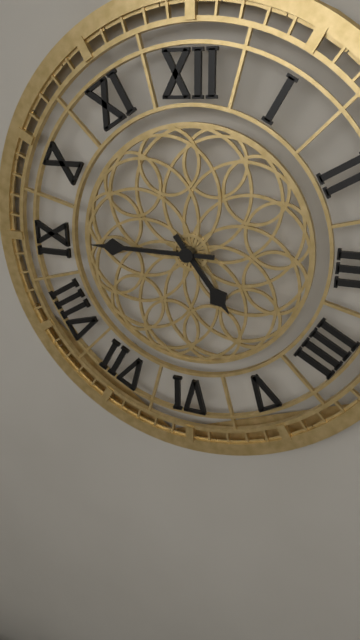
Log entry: {"hour": 4, "minute": 45}
